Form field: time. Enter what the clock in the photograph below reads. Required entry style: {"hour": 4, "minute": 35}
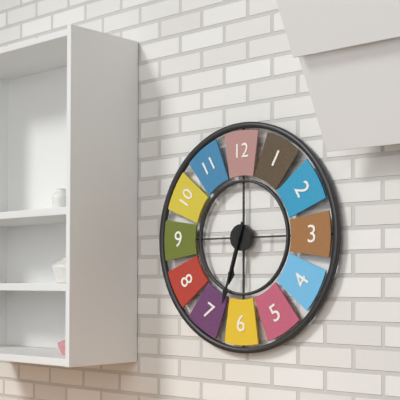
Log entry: {"hour": 6, "minute": 33}
